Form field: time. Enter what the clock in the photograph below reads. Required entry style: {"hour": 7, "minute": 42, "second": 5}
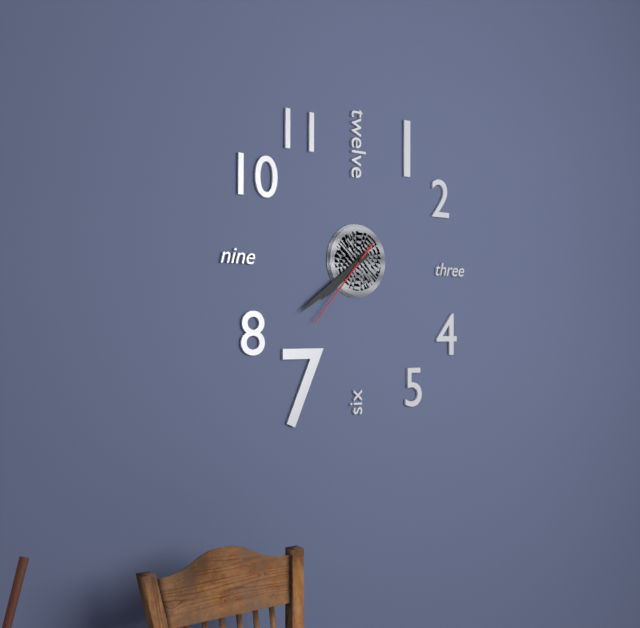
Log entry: {"hour": 7, "minute": 39, "second": 37}
